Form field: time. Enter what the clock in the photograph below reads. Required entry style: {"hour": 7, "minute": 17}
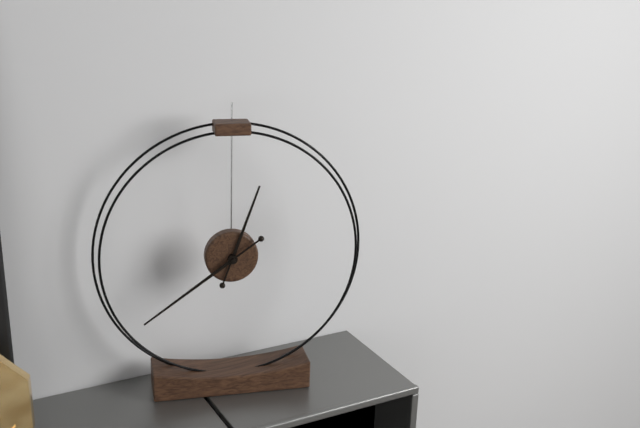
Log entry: {"hour": 12, "minute": 39}
